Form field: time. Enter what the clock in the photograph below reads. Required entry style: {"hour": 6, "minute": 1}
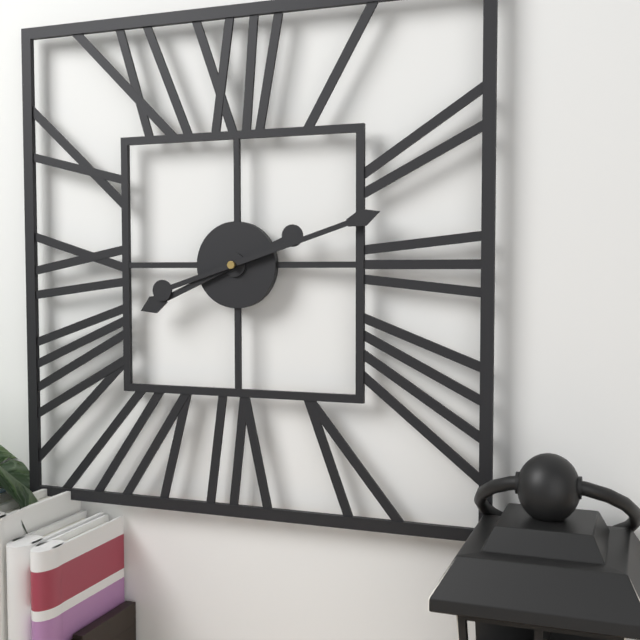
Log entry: {"hour": 8, "minute": 12}
